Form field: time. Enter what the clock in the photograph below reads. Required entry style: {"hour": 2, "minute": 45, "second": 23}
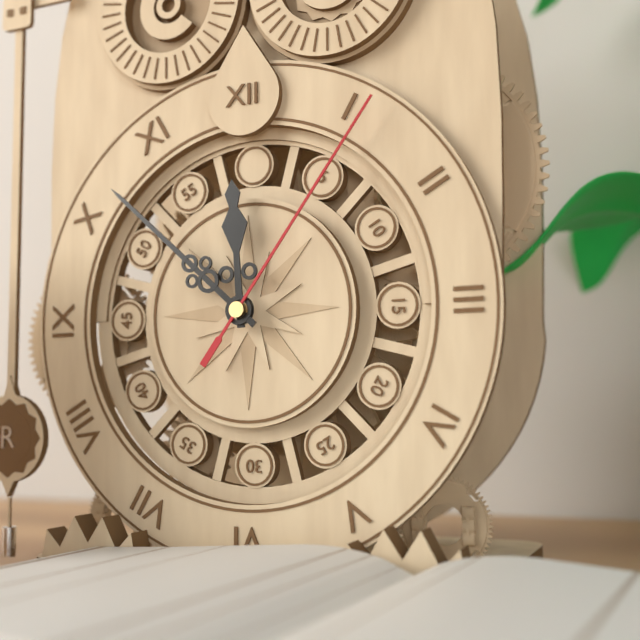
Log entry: {"hour": 11, "minute": 52, "second": 6}
